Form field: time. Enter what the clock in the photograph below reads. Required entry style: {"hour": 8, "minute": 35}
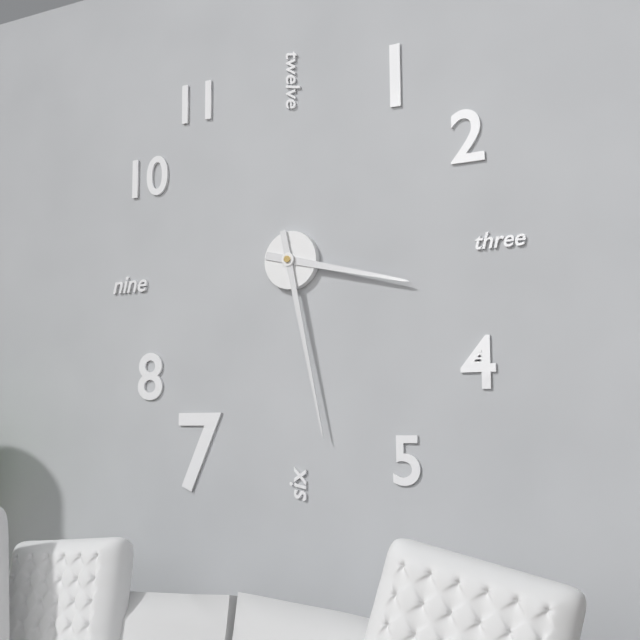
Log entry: {"hour": 3, "minute": 28}
